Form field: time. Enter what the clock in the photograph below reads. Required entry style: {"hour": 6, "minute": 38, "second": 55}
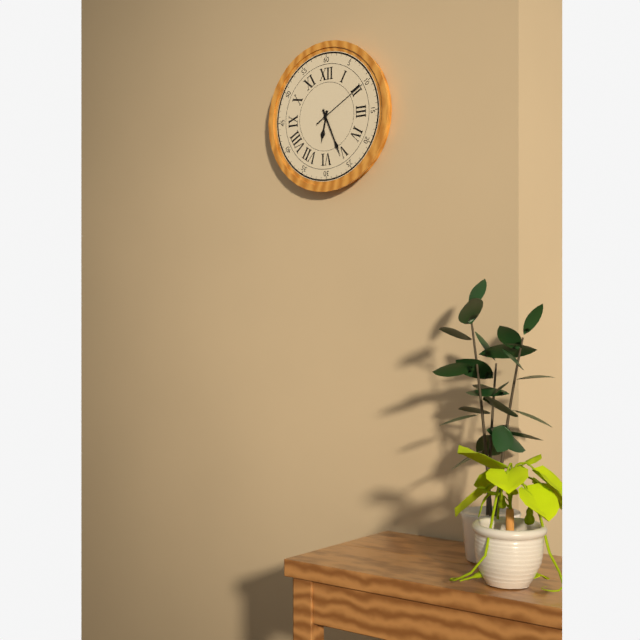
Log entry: {"hour": 6, "minute": 26, "second": 10}
